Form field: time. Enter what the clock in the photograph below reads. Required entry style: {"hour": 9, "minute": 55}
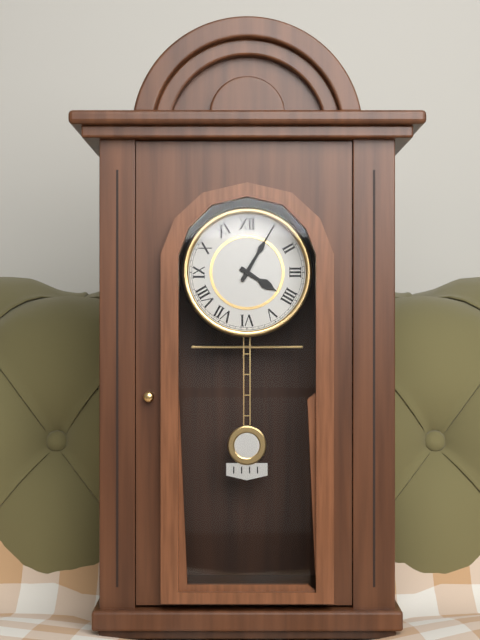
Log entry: {"hour": 4, "minute": 5}
